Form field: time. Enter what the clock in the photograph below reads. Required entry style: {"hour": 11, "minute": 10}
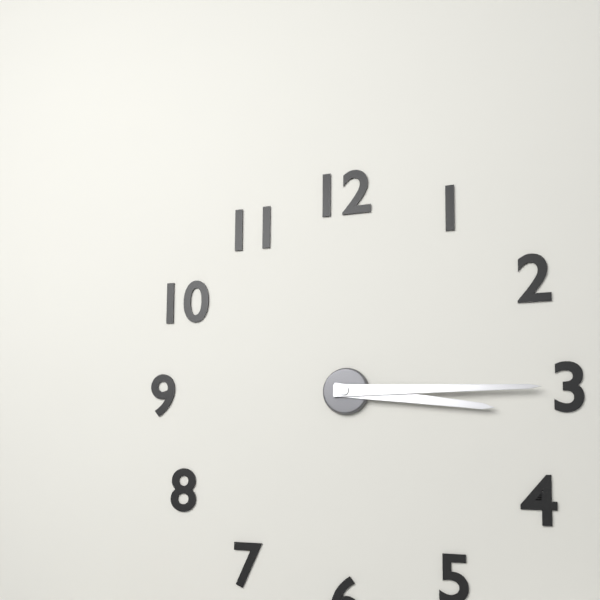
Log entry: {"hour": 3, "minute": 15}
